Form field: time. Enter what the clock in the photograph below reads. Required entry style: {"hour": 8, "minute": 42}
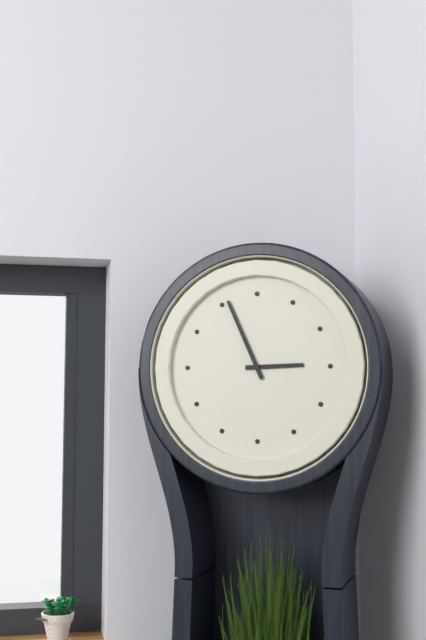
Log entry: {"hour": 2, "minute": 56}
